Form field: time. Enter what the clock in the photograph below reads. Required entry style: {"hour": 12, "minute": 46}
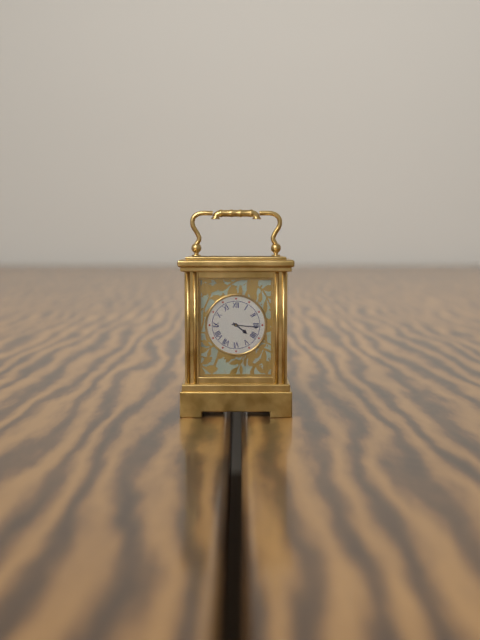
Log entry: {"hour": 4, "minute": 16}
